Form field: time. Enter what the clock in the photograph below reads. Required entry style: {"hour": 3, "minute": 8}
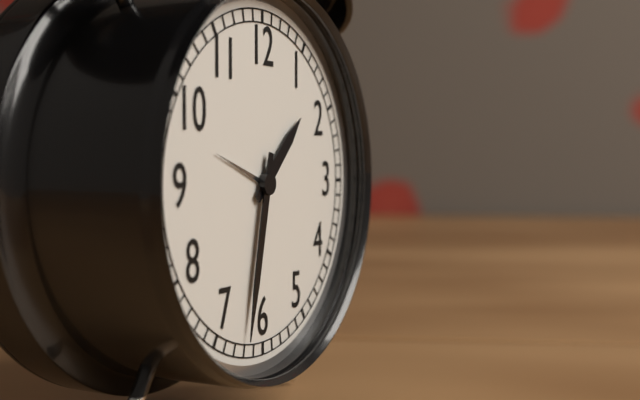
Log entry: {"hour": 1, "minute": 32}
